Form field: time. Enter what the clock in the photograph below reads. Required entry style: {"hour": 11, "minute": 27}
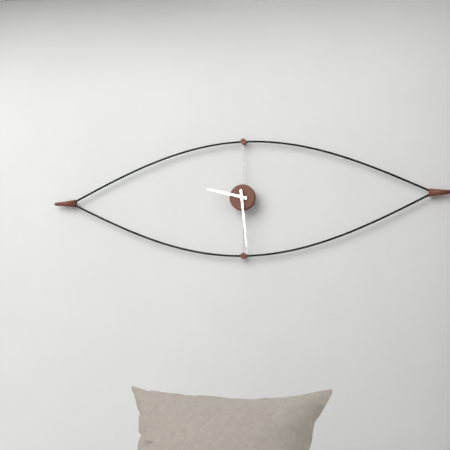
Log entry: {"hour": 9, "minute": 29}
